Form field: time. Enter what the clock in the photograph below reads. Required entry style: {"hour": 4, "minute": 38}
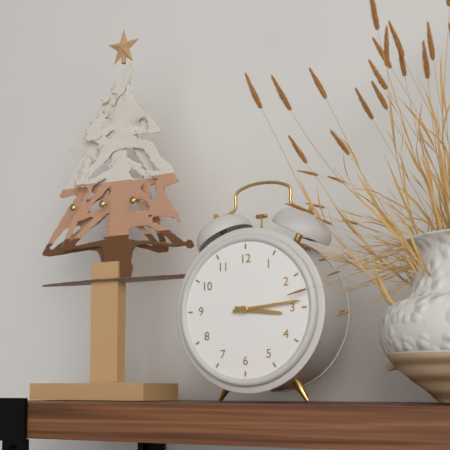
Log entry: {"hour": 3, "minute": 14}
